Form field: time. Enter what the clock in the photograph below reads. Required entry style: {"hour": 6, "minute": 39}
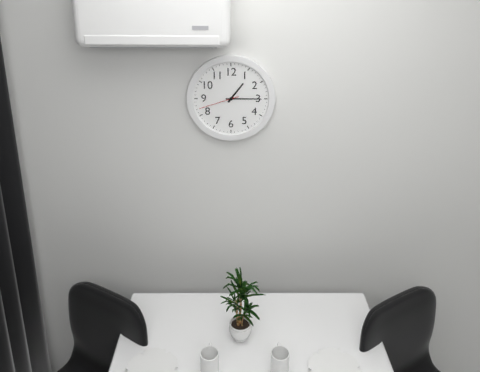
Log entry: {"hour": 1, "minute": 15}
